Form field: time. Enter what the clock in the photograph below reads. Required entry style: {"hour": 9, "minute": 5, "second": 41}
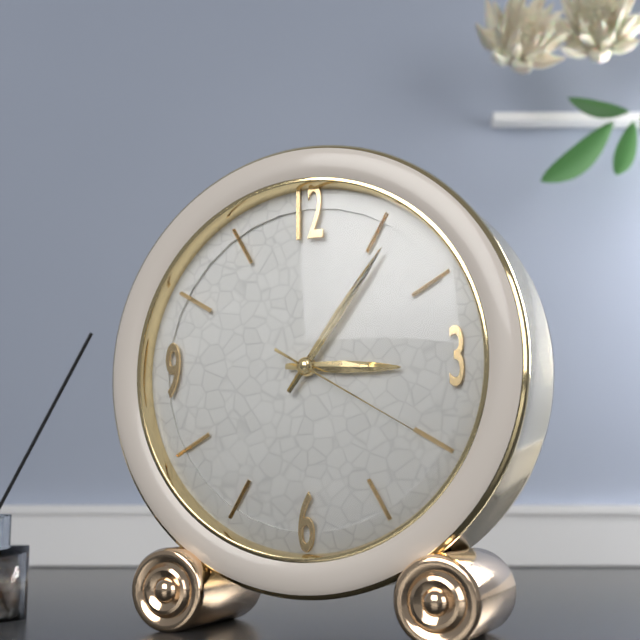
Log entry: {"hour": 3, "minute": 6, "second": 20}
